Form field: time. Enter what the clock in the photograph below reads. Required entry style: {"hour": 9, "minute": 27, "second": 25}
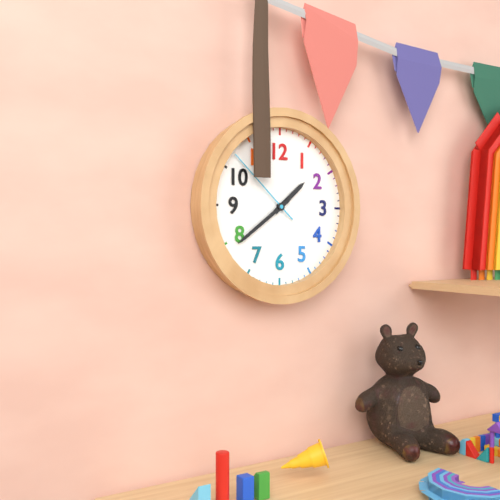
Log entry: {"hour": 1, "minute": 39, "second": 52}
